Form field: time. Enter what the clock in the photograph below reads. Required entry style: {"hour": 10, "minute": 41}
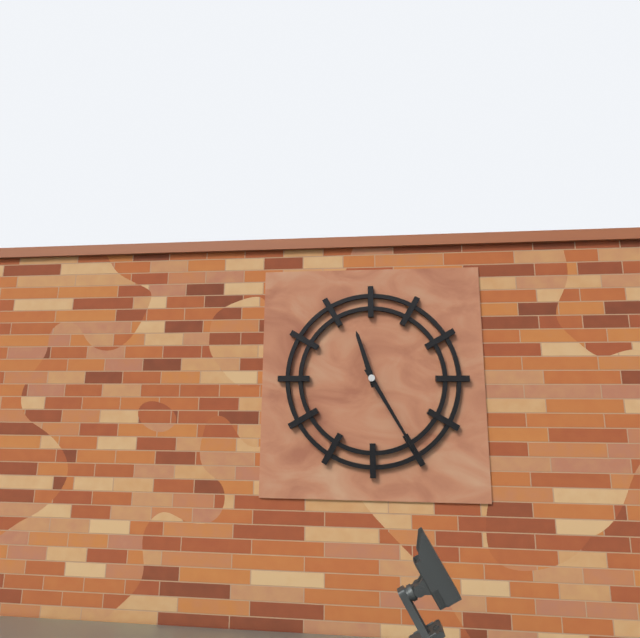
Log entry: {"hour": 11, "minute": 25}
